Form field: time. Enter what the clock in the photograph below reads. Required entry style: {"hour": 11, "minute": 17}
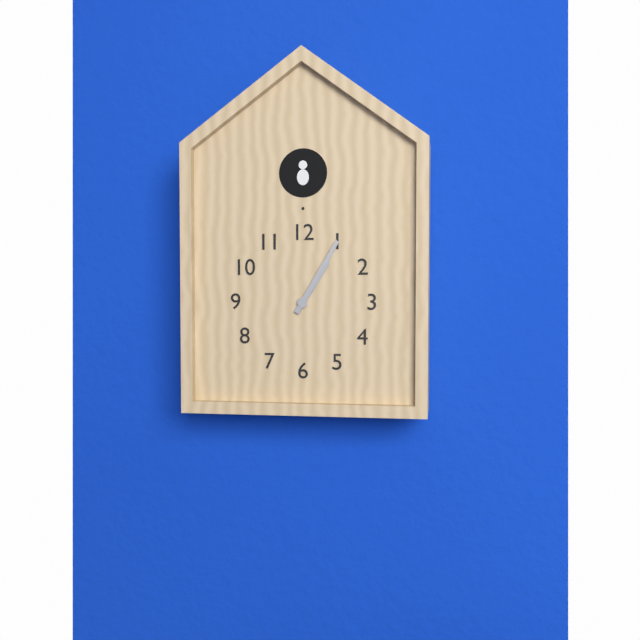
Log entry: {"hour": 1, "minute": 5}
